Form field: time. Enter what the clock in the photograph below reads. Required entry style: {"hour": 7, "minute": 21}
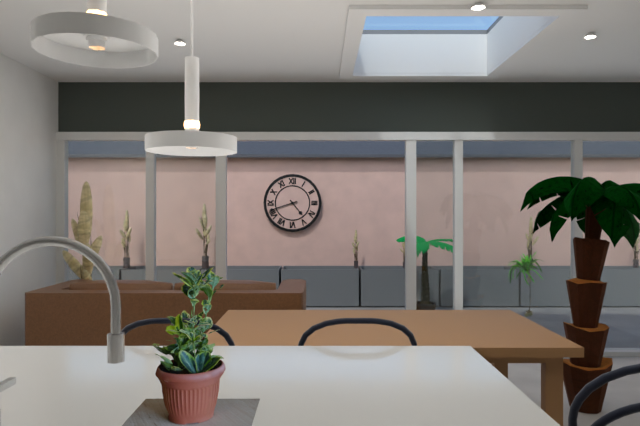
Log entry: {"hour": 4, "minute": 42}
